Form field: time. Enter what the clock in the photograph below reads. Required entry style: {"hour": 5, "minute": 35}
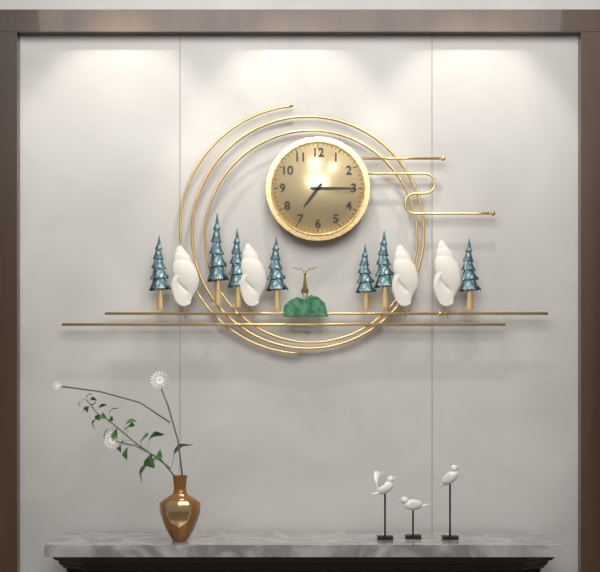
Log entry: {"hour": 7, "minute": 15}
